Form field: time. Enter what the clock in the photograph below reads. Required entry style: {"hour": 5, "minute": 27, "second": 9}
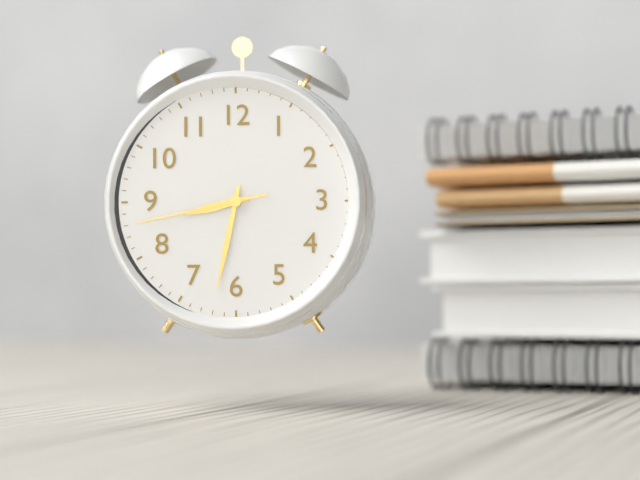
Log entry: {"hour": 8, "minute": 32, "second": 43}
